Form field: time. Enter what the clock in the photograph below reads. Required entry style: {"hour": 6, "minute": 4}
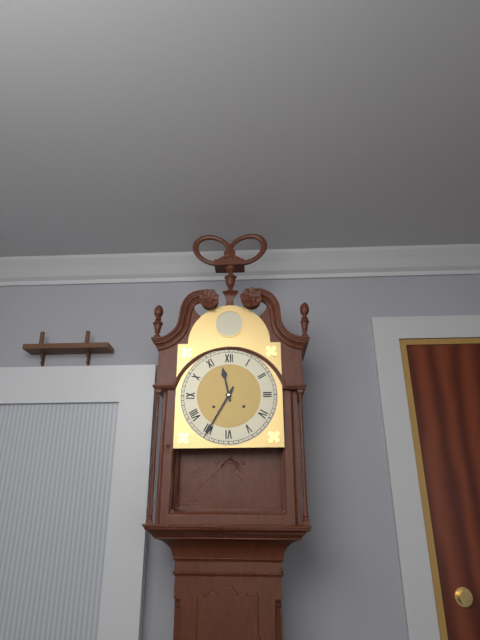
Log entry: {"hour": 11, "minute": 35}
